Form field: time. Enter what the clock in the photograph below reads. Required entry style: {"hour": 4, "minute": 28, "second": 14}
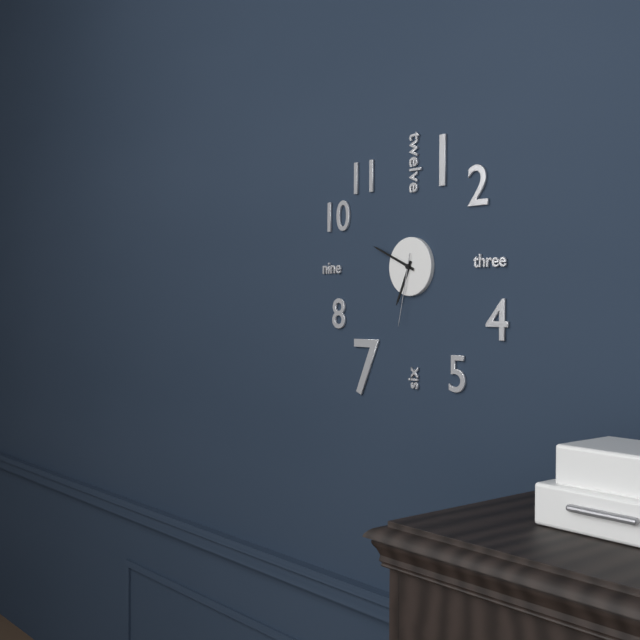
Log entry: {"hour": 6, "minute": 49, "second": 32}
